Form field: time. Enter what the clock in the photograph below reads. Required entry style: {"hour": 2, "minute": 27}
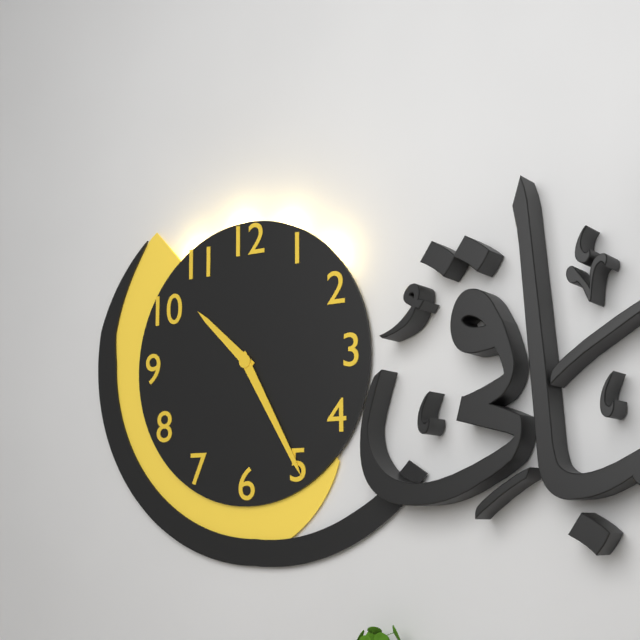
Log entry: {"hour": 10, "minute": 25}
